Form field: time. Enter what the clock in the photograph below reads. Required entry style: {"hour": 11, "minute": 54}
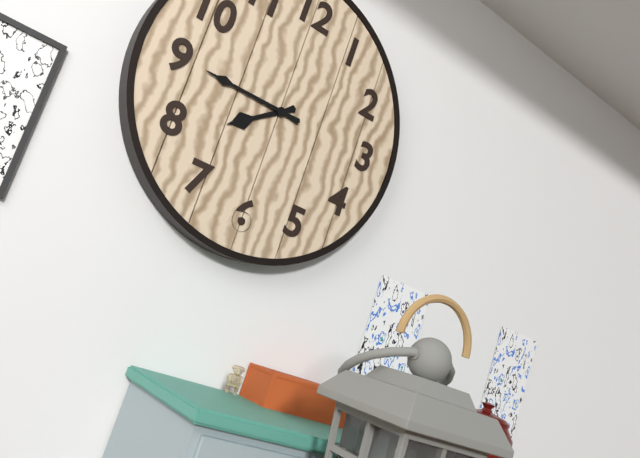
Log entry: {"hour": 7, "minute": 45}
